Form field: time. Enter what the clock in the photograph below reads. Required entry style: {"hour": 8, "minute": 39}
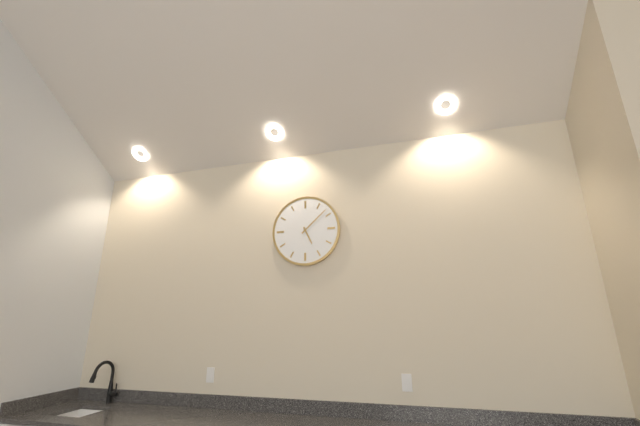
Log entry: {"hour": 5, "minute": 8}
